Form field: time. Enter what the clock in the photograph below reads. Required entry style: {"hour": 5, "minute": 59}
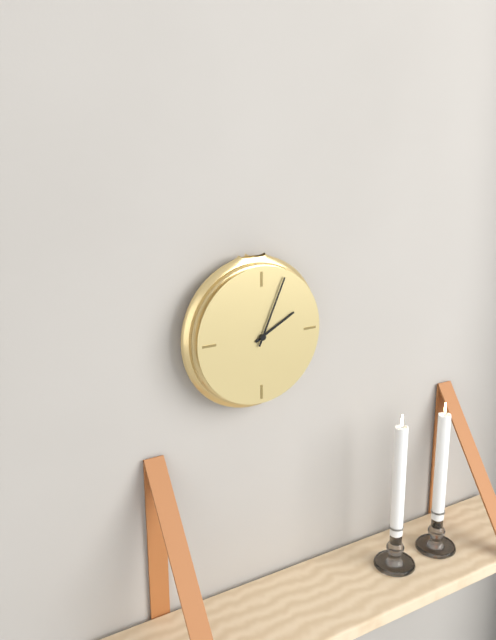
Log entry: {"hour": 2, "minute": 4}
